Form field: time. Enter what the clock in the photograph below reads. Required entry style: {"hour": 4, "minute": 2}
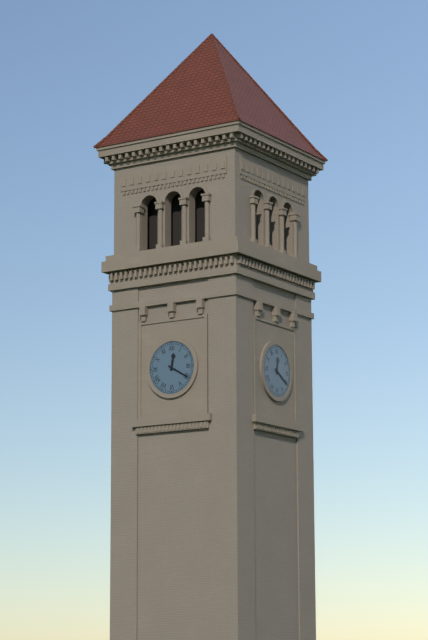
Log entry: {"hour": 12, "minute": 20}
